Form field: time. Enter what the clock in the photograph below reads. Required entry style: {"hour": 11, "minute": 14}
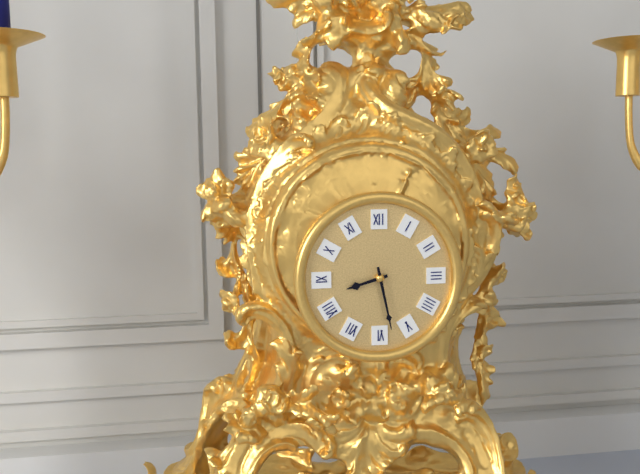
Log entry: {"hour": 8, "minute": 28}
